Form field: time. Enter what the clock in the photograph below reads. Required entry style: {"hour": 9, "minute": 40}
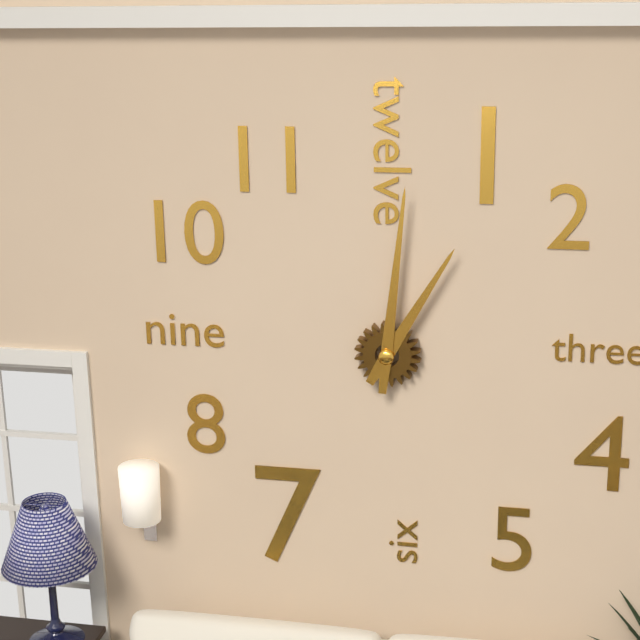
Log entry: {"hour": 1, "minute": 1}
